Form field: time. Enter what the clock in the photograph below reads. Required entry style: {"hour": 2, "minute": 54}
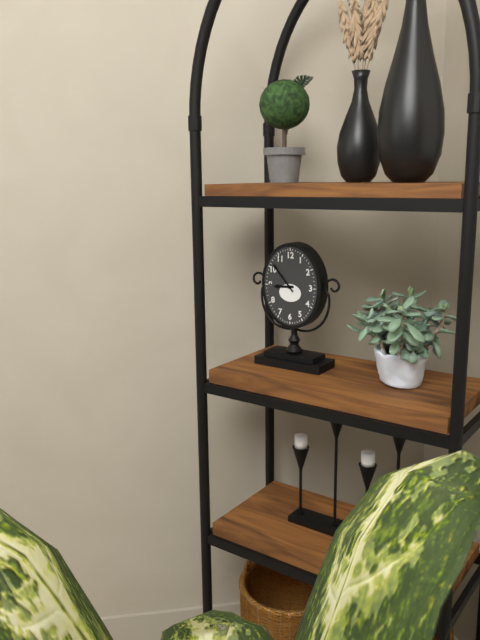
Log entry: {"hour": 8, "minute": 53}
